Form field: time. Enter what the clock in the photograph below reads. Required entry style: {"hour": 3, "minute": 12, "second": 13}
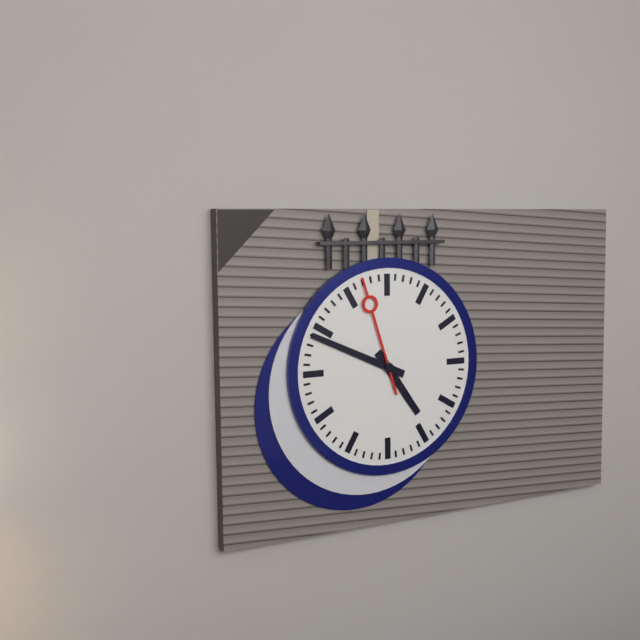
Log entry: {"hour": 4, "minute": 49, "second": 57}
